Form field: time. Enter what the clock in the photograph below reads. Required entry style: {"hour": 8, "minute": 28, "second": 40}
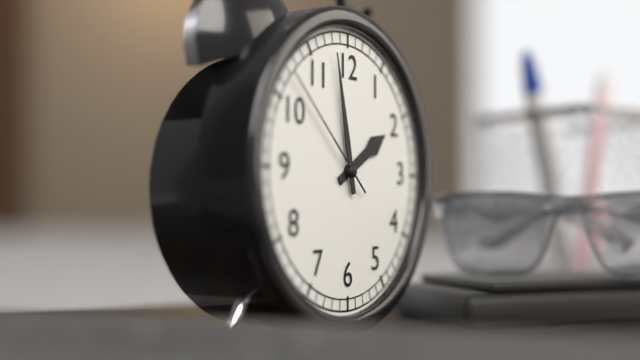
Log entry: {"hour": 1, "minute": 58, "second": 52}
